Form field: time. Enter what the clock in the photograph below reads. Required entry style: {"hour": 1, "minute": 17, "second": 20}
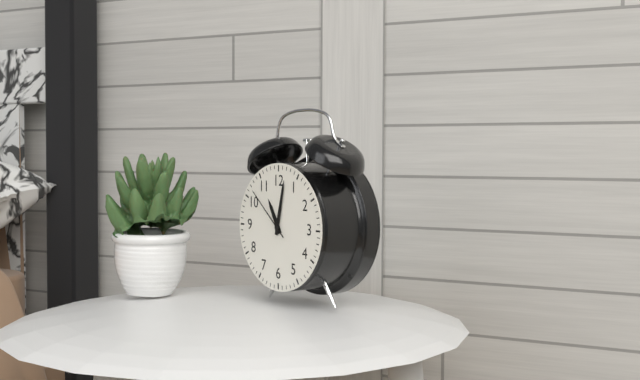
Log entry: {"hour": 11, "minute": 2, "second": 52}
